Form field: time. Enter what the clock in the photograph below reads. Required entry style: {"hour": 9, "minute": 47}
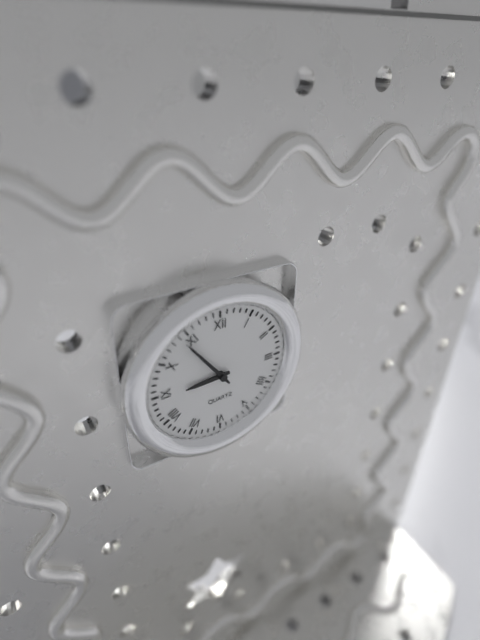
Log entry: {"hour": 8, "minute": 54}
